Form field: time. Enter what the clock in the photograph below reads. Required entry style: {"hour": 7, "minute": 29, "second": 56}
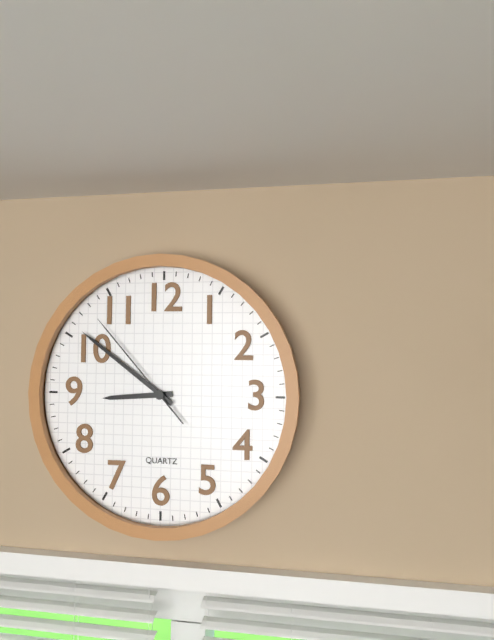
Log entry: {"hour": 8, "minute": 51, "second": 53}
